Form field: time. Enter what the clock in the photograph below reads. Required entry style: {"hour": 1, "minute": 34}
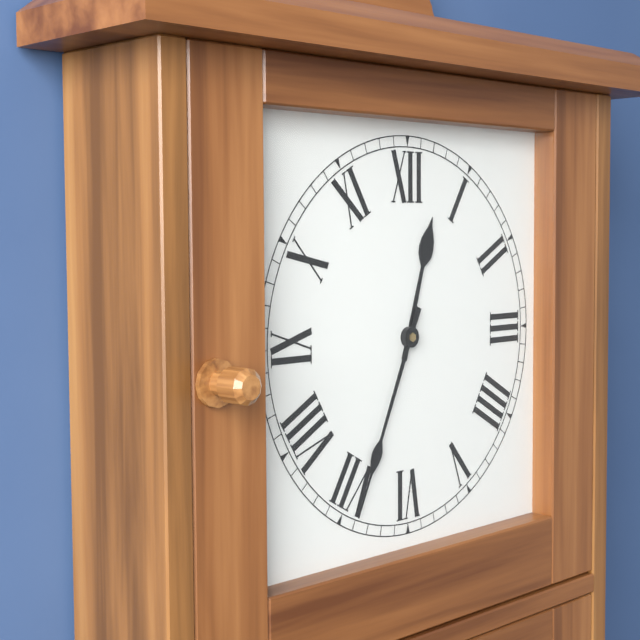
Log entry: {"hour": 12, "minute": 34}
